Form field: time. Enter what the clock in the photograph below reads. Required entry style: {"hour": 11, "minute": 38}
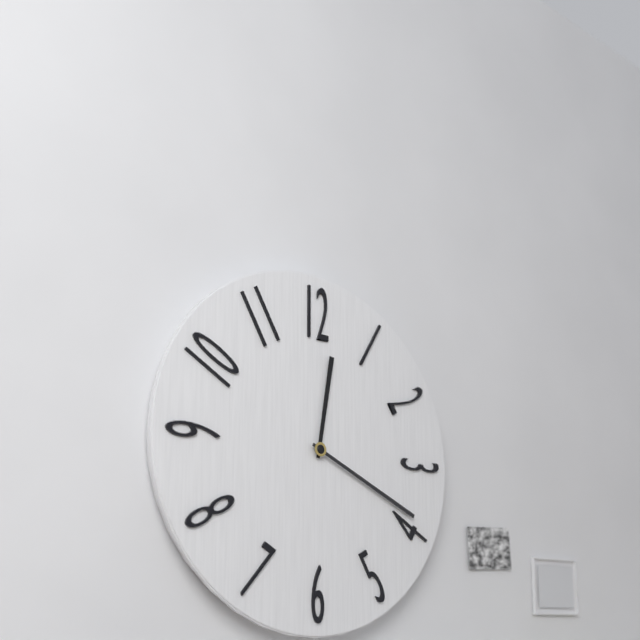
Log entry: {"hour": 12, "minute": 19}
